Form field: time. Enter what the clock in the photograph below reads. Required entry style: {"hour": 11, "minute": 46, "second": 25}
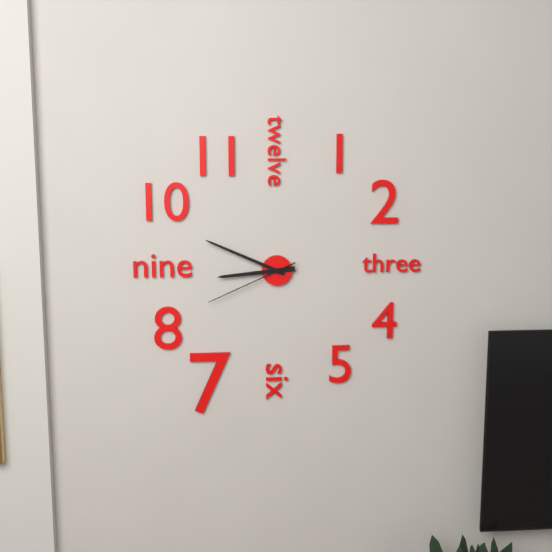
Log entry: {"hour": 8, "minute": 49, "second": 41}
